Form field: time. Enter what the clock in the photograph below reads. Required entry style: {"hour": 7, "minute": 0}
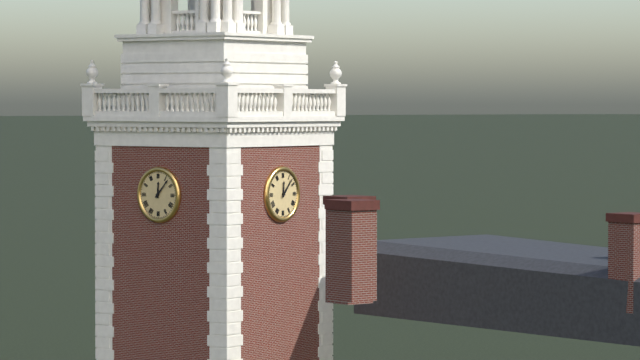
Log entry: {"hour": 12, "minute": 7}
